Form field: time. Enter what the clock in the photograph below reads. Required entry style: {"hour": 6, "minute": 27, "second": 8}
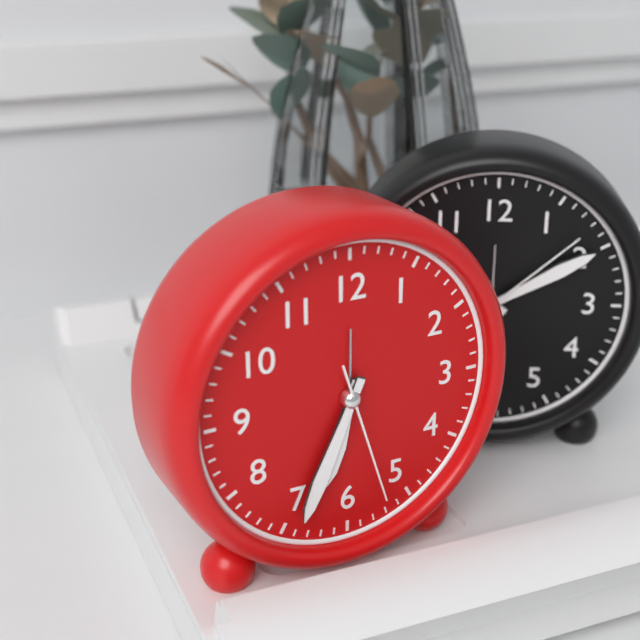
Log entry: {"hour": 6, "minute": 34, "second": 27}
